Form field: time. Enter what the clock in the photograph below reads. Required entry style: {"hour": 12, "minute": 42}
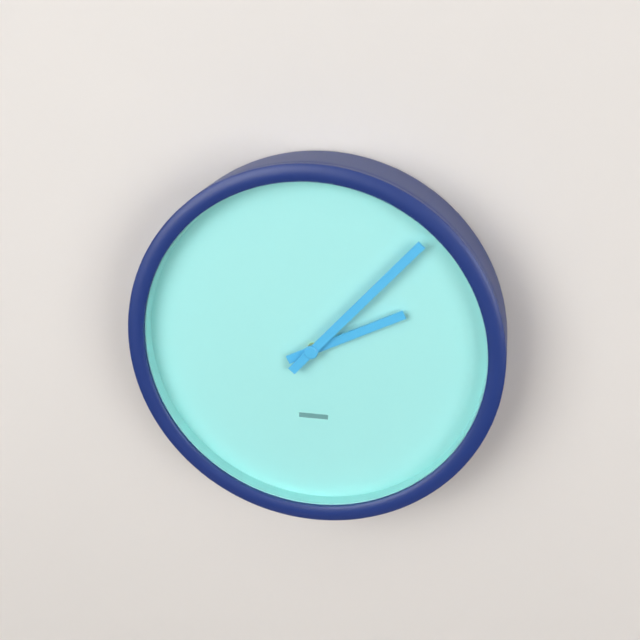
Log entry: {"hour": 2, "minute": 7}
